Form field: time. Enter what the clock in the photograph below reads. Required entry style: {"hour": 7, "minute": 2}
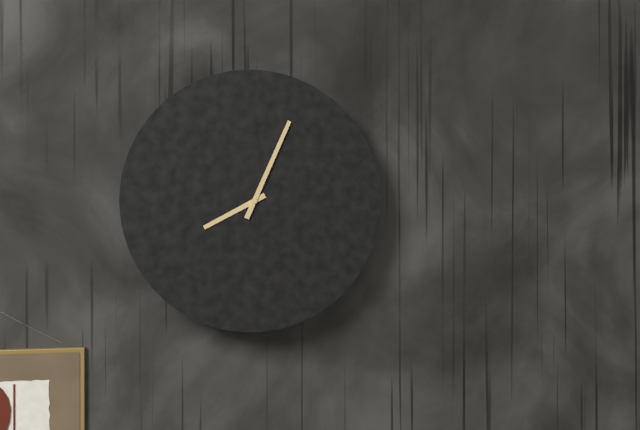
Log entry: {"hour": 8, "minute": 4}
